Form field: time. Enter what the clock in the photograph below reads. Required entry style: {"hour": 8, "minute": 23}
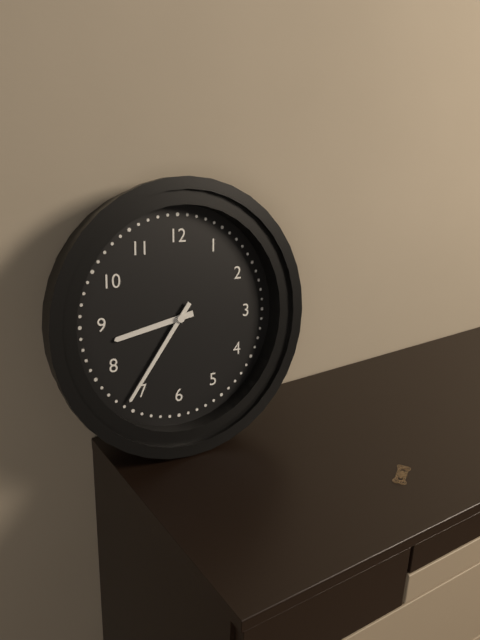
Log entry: {"hour": 8, "minute": 36}
